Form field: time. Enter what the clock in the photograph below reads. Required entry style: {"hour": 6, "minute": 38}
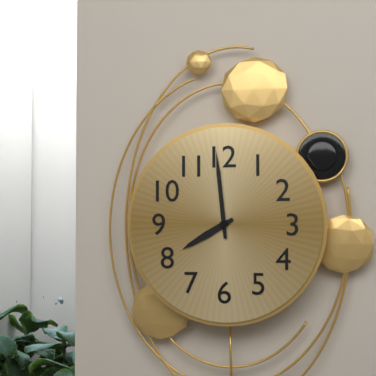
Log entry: {"hour": 7, "minute": 59}
